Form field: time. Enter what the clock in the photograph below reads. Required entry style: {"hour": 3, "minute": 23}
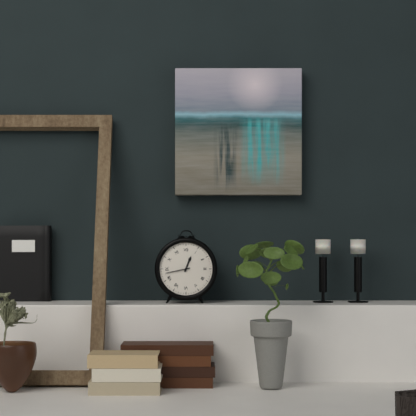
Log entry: {"hour": 12, "minute": 43}
